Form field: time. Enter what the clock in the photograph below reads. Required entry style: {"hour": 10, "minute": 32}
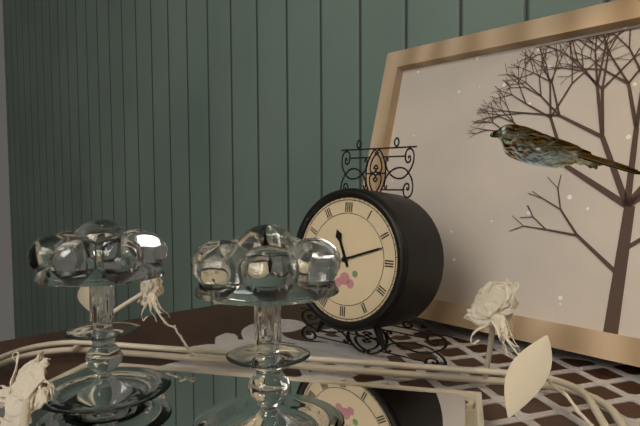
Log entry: {"hour": 11, "minute": 12}
